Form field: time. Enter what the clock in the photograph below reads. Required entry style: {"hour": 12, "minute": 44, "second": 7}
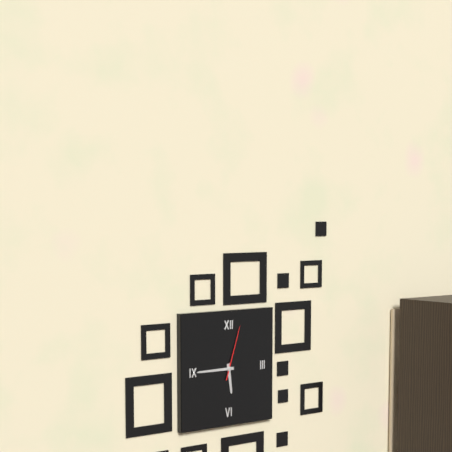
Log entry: {"hour": 5, "minute": 45, "second": 3}
